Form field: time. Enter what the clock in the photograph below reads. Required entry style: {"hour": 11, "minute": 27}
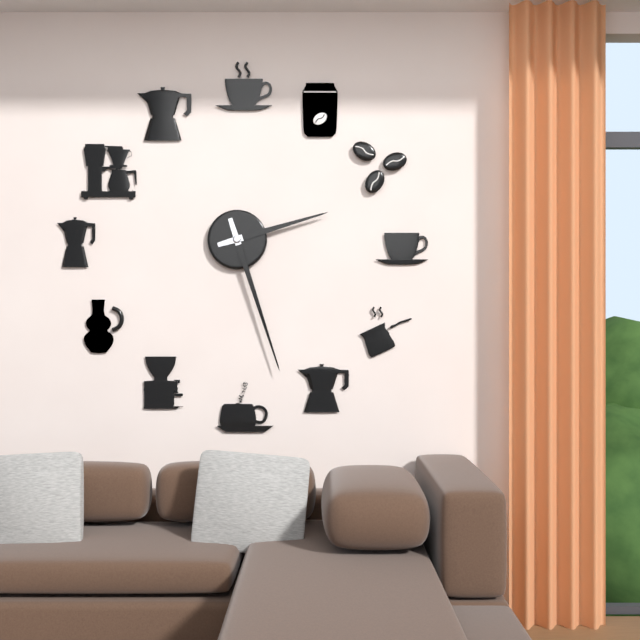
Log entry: {"hour": 2, "minute": 27}
